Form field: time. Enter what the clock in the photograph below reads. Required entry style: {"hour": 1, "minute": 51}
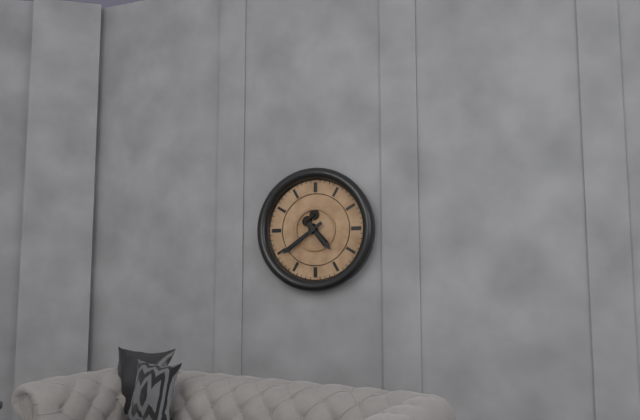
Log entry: {"hour": 4, "minute": 39}
